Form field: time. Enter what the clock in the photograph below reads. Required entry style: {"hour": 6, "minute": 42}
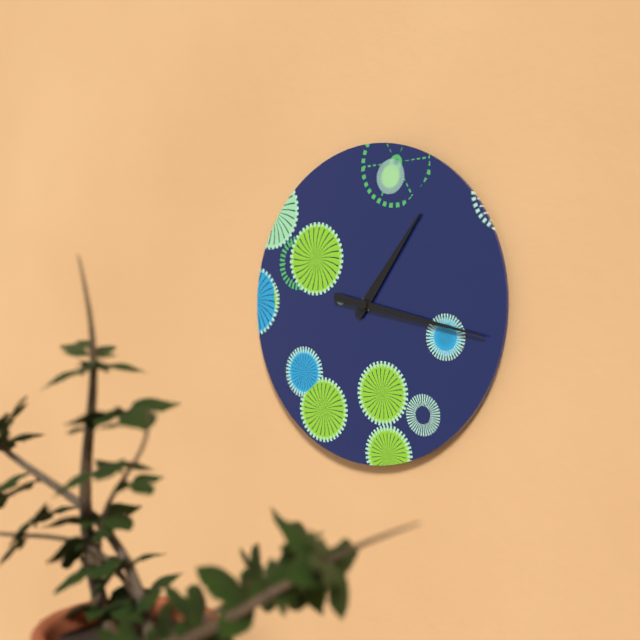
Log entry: {"hour": 1, "minute": 17}
